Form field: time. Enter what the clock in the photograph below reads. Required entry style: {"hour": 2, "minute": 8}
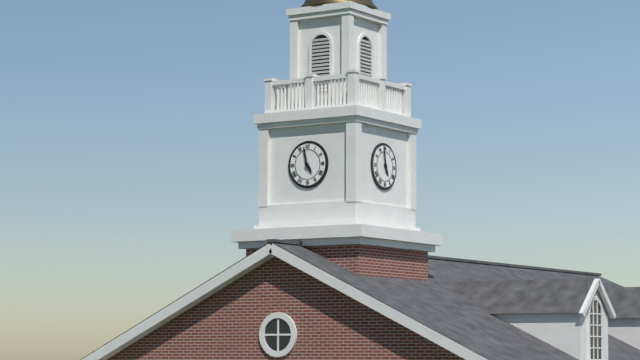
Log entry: {"hour": 4, "minute": 58}
